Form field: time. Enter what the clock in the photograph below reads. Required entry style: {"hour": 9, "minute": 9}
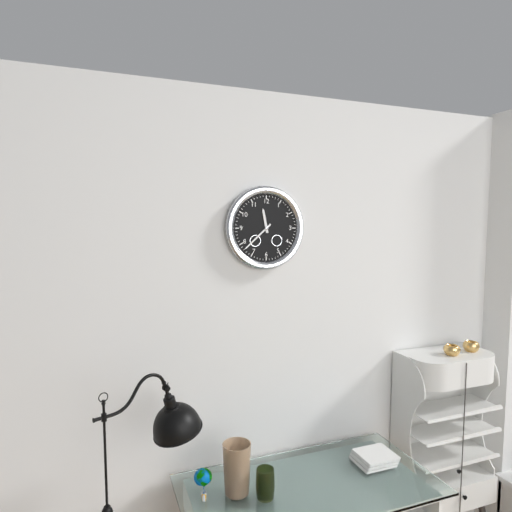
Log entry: {"hour": 11, "minute": 38}
